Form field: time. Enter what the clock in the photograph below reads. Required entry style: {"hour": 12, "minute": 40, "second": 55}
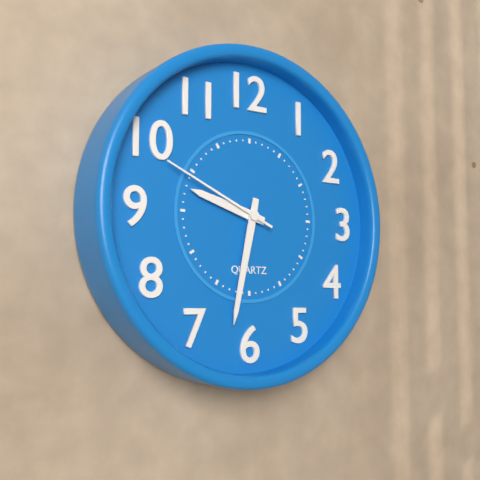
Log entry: {"hour": 9, "minute": 32, "second": 49}
